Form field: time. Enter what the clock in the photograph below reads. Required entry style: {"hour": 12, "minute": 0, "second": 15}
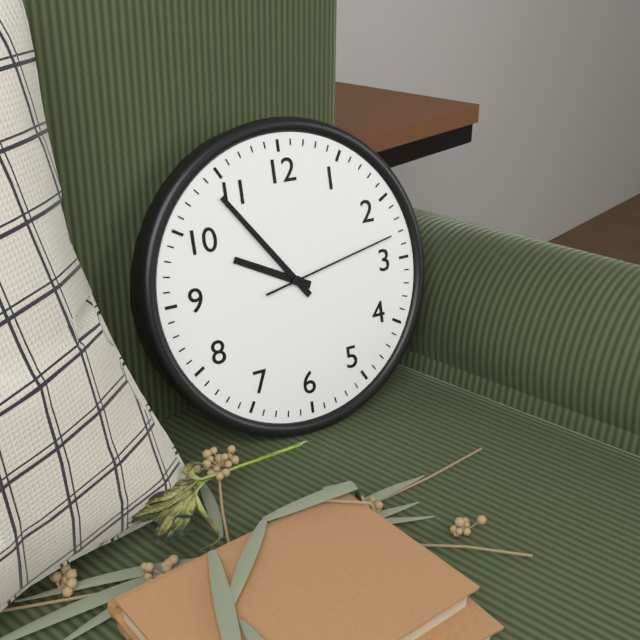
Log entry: {"hour": 9, "minute": 54, "second": 13}
